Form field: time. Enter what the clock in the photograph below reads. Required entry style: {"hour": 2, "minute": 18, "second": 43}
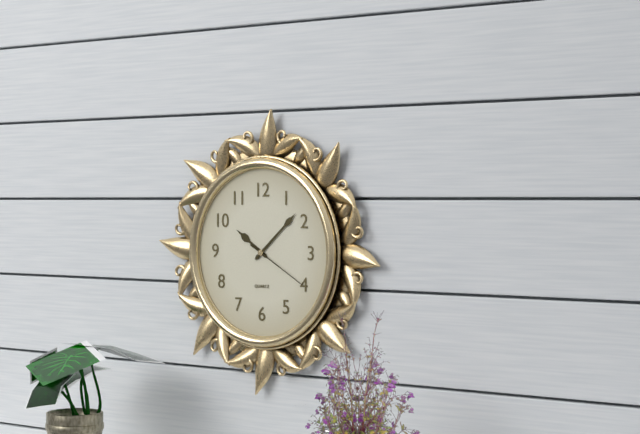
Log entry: {"hour": 10, "minute": 8, "second": 20}
